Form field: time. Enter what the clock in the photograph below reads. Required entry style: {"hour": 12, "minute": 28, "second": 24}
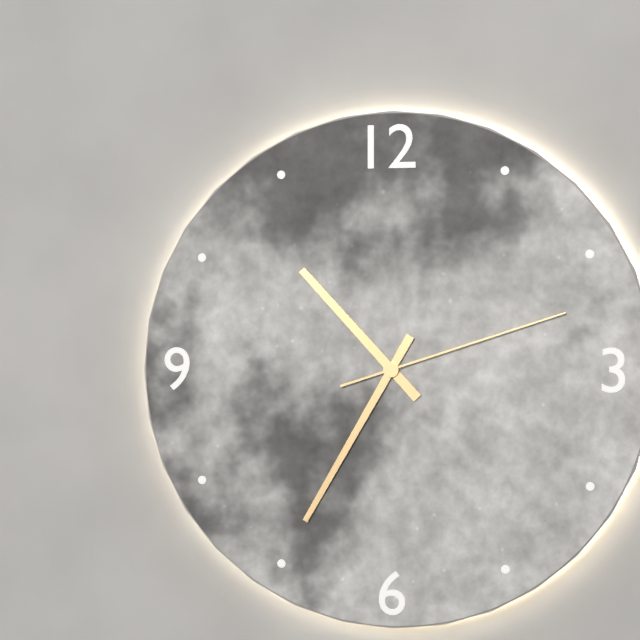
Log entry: {"hour": 10, "minute": 35, "second": 12}
